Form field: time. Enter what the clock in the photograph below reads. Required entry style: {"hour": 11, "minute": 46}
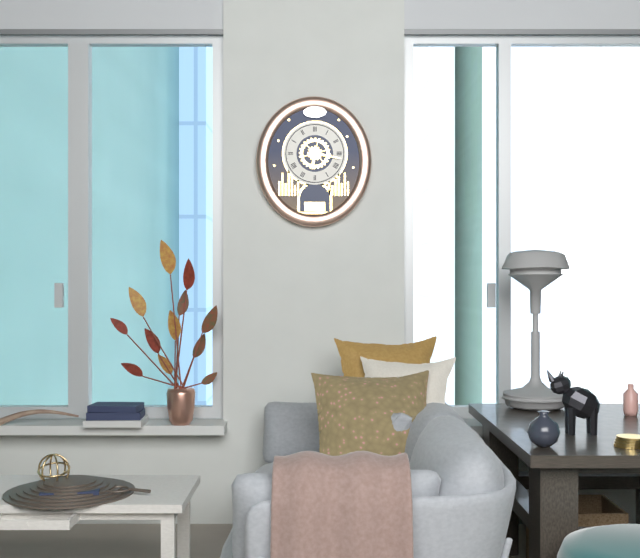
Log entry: {"hour": 6, "minute": 17}
